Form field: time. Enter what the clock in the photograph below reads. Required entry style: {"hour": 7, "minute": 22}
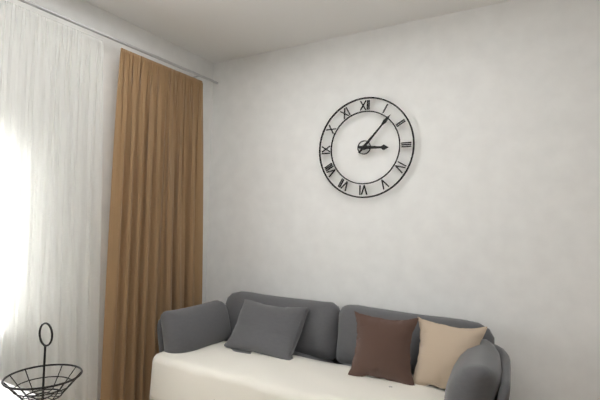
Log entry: {"hour": 3, "minute": 7}
